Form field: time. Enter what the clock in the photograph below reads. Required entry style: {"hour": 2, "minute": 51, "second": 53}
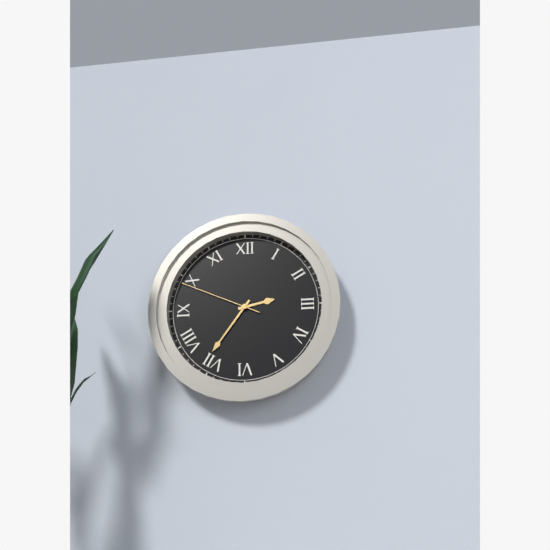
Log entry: {"hour": 2, "minute": 36, "second": 49}
